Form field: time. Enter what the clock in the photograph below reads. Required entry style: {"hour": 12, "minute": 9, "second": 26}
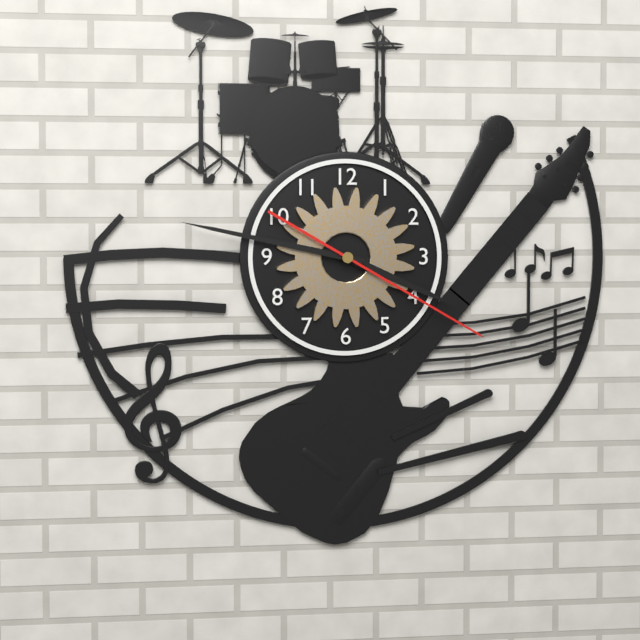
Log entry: {"hour": 3, "minute": 47, "second": 20}
